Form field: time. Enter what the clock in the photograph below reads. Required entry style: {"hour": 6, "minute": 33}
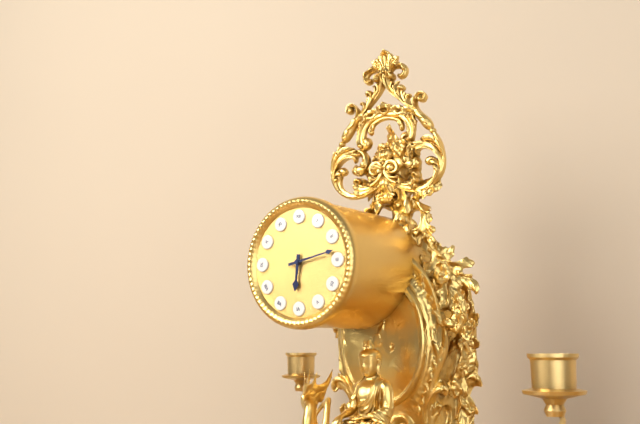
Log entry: {"hour": 6, "minute": 13}
